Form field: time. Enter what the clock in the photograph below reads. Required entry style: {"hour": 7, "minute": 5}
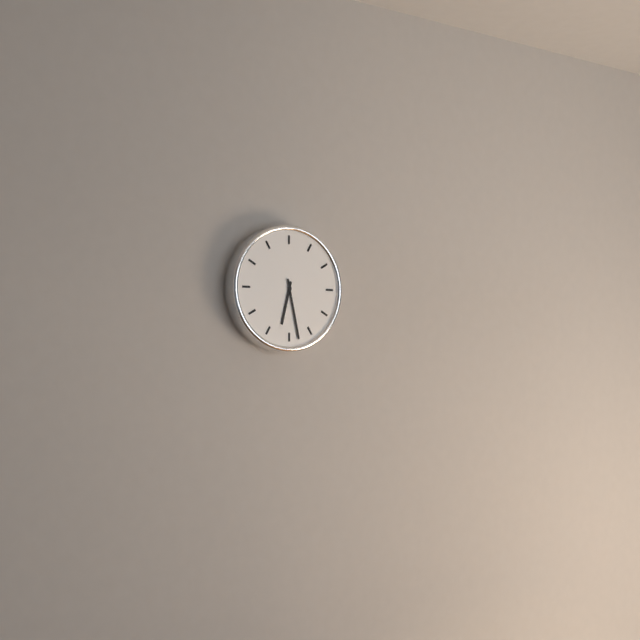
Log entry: {"hour": 6, "minute": 28}
